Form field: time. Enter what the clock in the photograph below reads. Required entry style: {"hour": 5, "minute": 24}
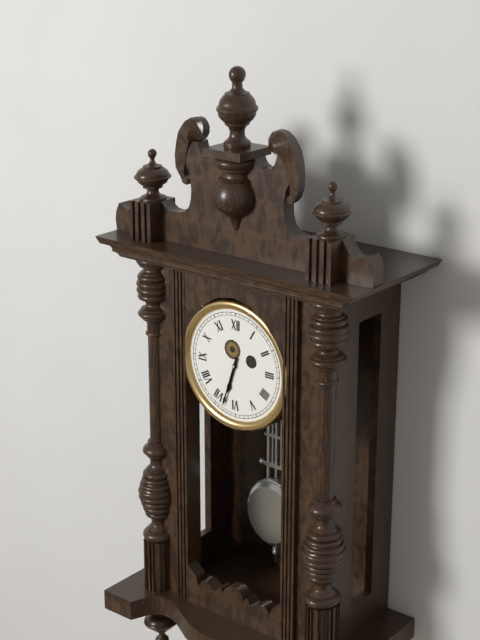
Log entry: {"hour": 6, "minute": 33}
